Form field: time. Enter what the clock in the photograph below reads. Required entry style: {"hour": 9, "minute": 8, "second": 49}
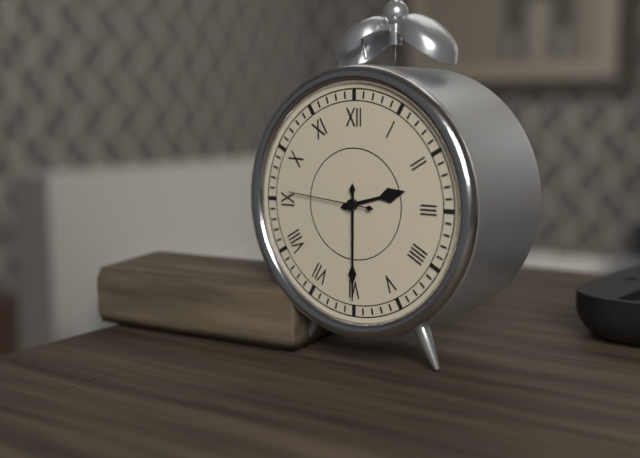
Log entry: {"hour": 2, "minute": 30, "second": 46}
